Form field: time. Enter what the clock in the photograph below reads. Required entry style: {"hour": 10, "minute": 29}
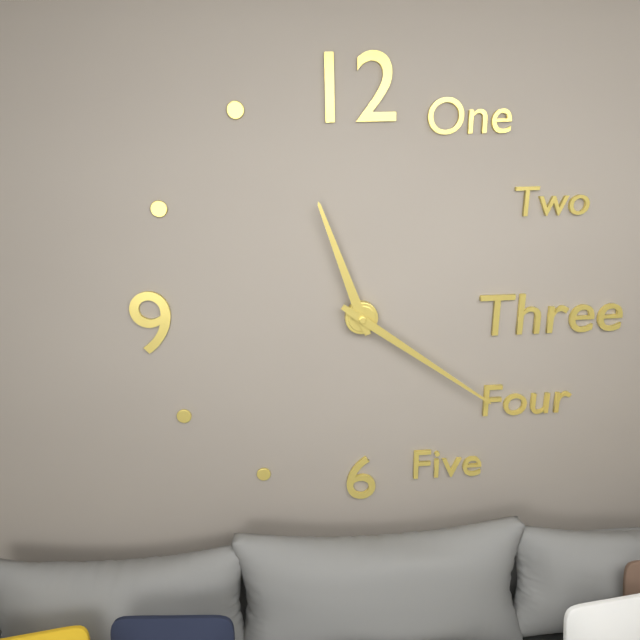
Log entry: {"hour": 11, "minute": 21}
